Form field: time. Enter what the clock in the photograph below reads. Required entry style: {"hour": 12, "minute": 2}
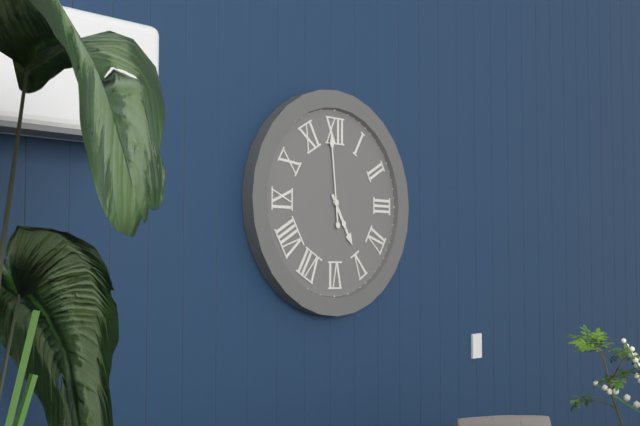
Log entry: {"hour": 4, "minute": 59}
